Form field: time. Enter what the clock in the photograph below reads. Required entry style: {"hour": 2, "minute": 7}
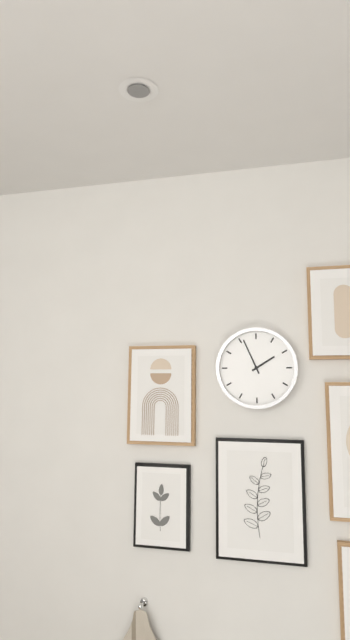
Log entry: {"hour": 1, "minute": 56}
